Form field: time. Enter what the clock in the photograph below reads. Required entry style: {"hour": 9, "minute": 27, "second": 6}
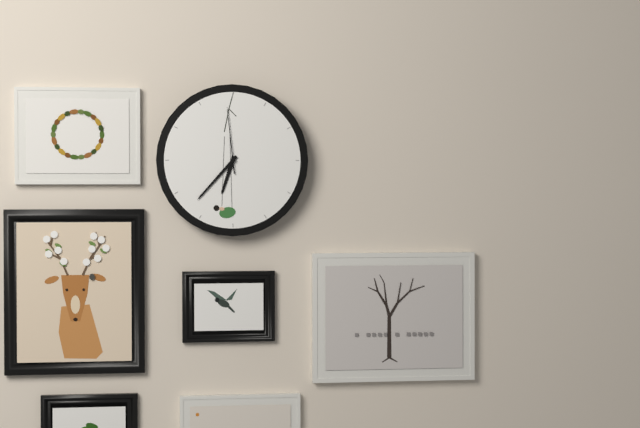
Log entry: {"hour": 6, "minute": 37, "second": 59}
